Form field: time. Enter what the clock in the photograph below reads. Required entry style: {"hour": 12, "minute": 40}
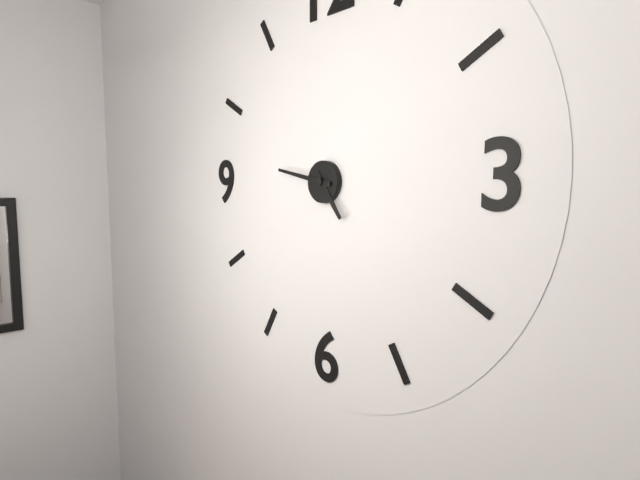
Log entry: {"hour": 4, "minute": 47}
